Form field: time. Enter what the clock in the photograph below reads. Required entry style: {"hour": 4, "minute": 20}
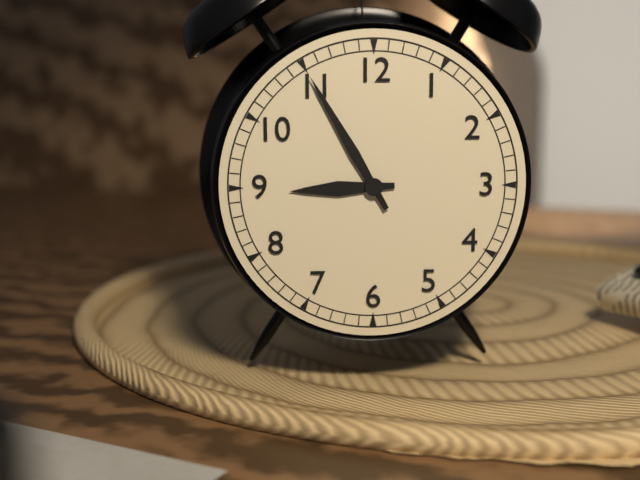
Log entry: {"hour": 8, "minute": 55}
